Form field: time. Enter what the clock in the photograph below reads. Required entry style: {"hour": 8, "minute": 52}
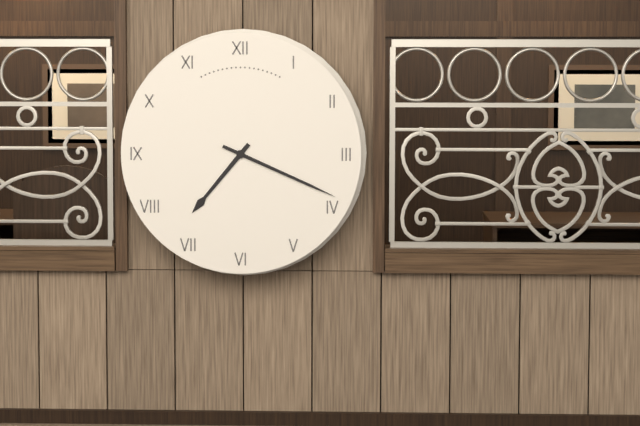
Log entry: {"hour": 7, "minute": 19}
